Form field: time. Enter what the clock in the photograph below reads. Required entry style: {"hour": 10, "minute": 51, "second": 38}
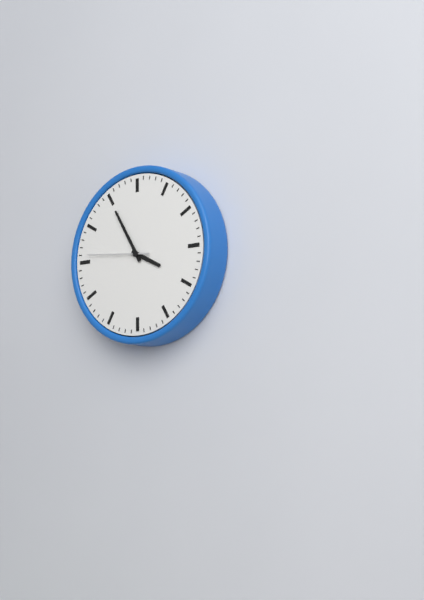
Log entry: {"hour": 3, "minute": 55, "second": 46}
